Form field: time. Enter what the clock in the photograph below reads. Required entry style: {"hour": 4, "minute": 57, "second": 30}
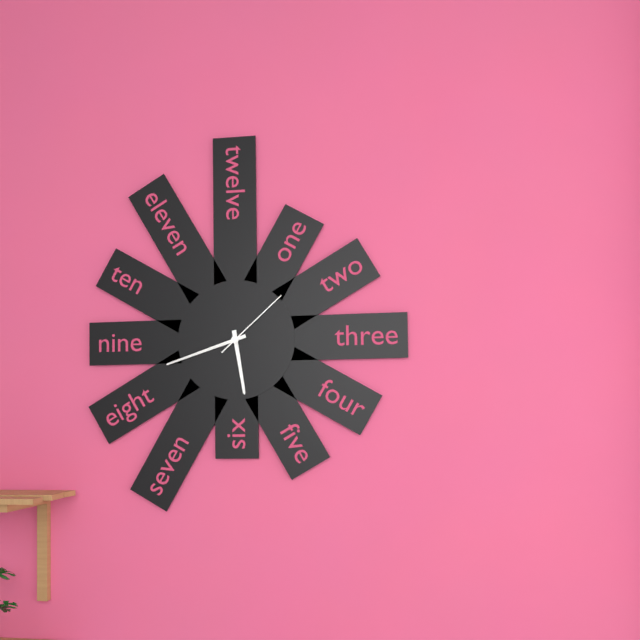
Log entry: {"hour": 5, "minute": 42, "second": 8}
